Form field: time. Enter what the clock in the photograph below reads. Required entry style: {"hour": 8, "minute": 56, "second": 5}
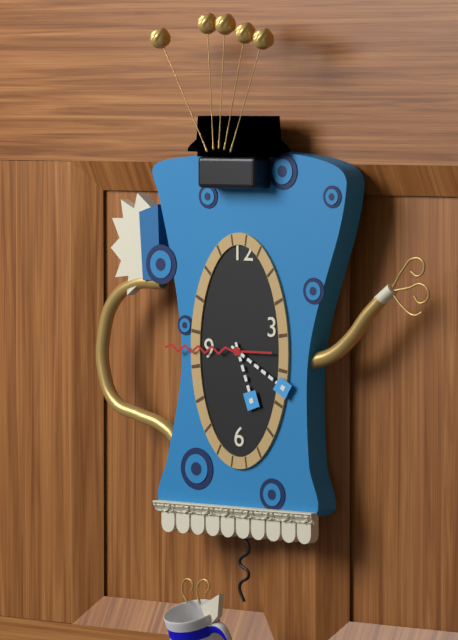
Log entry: {"hour": 5, "minute": 20, "second": 45}
